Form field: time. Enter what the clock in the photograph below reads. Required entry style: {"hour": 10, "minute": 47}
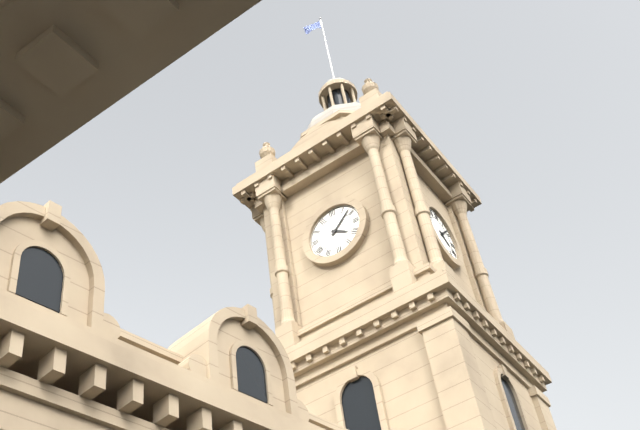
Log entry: {"hour": 4, "minute": 8}
